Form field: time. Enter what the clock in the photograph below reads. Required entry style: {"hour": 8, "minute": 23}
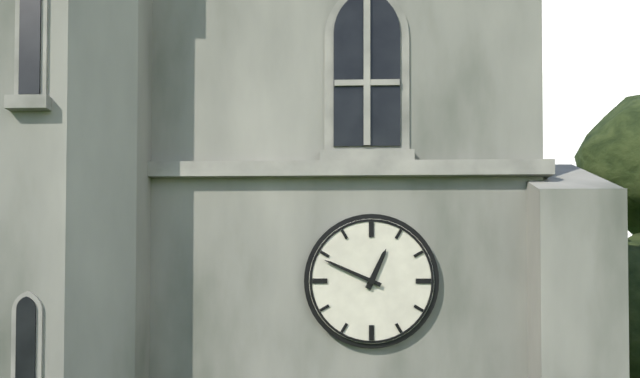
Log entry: {"hour": 12, "minute": 49}
